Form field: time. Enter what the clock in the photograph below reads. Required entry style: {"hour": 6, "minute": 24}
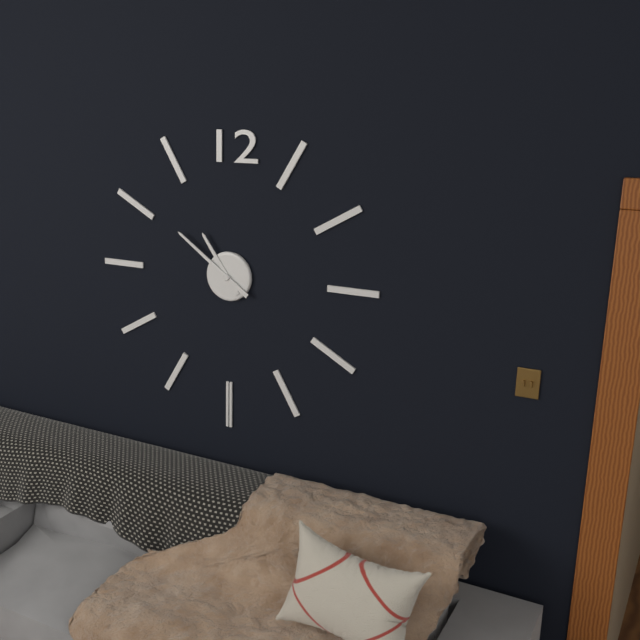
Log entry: {"hour": 10, "minute": 51}
